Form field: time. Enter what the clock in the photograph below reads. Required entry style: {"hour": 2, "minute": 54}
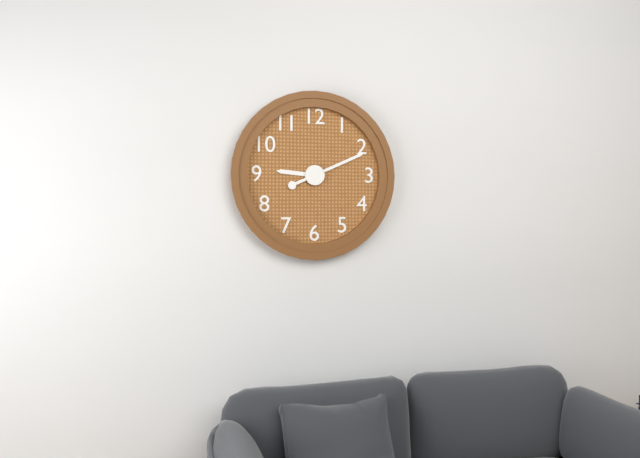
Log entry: {"hour": 9, "minute": 11}
